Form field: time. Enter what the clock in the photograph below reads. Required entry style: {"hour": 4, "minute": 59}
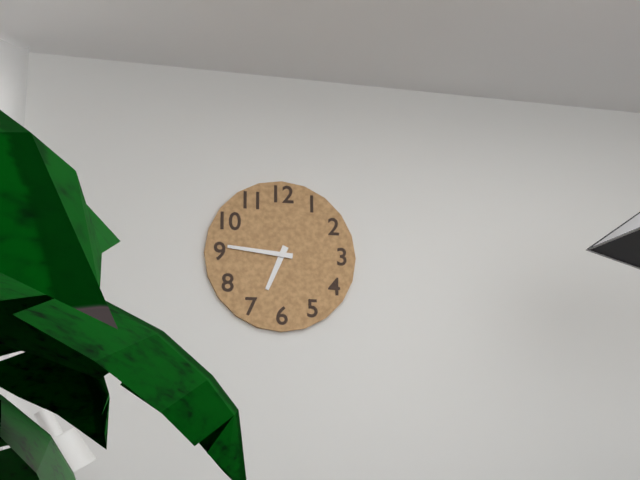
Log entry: {"hour": 6, "minute": 46}
